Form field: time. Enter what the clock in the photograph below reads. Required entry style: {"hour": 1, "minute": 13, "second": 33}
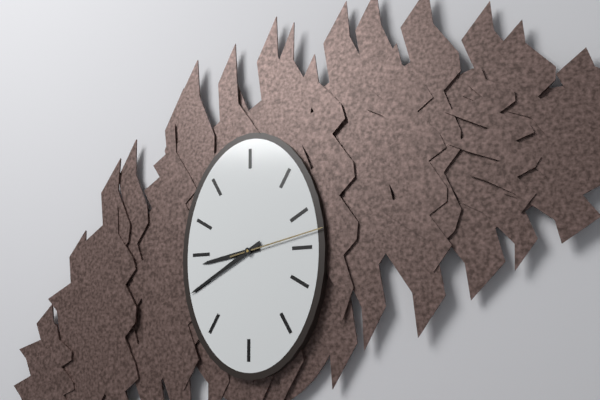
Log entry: {"hour": 8, "minute": 40, "second": 13}
